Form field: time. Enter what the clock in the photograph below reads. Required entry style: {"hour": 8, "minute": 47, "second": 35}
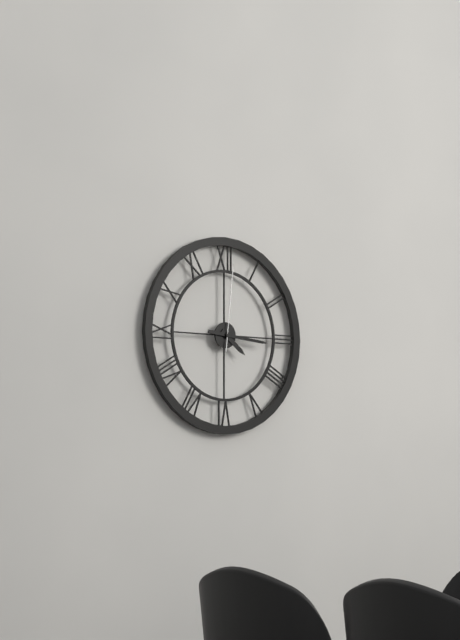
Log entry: {"hour": 4, "minute": 16, "second": 1}
